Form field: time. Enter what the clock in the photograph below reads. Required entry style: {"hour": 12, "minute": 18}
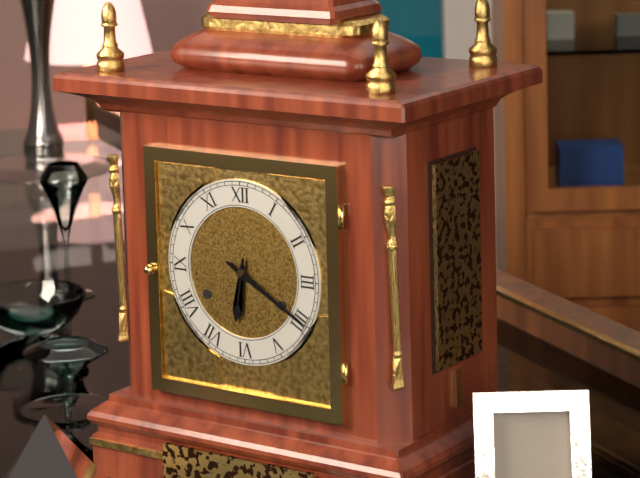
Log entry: {"hour": 6, "minute": 20}
